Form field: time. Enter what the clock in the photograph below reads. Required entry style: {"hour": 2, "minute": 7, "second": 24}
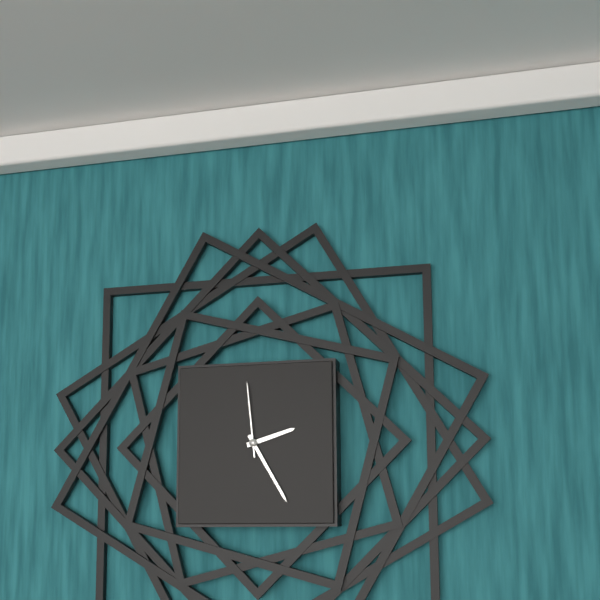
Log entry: {"hour": 2, "minute": 25, "second": 59}
